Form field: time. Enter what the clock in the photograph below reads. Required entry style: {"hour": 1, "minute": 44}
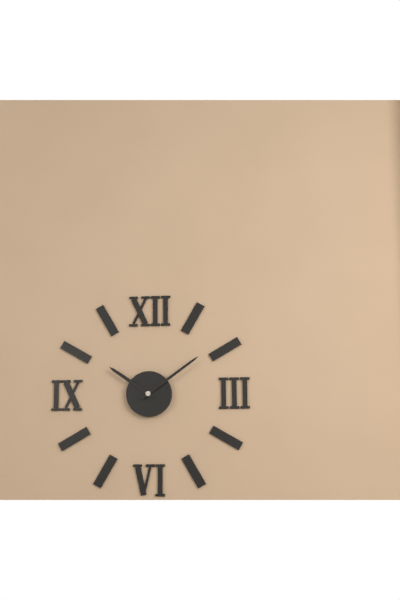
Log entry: {"hour": 10, "minute": 9}
